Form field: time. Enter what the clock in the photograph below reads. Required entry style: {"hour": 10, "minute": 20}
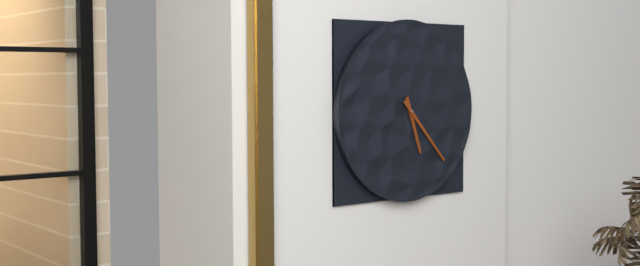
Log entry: {"hour": 5, "minute": 23}
